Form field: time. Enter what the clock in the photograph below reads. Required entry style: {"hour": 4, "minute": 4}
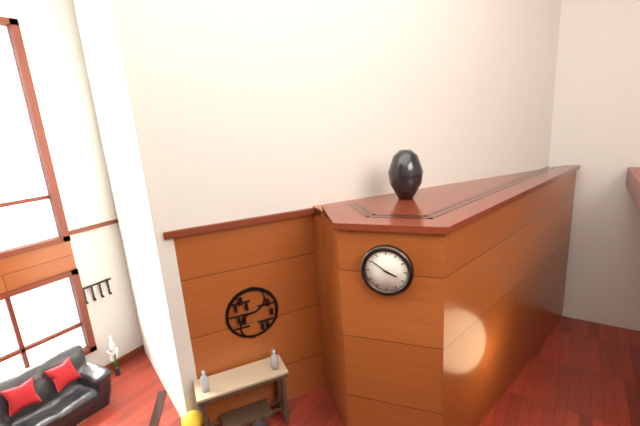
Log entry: {"hour": 3, "minute": 51}
